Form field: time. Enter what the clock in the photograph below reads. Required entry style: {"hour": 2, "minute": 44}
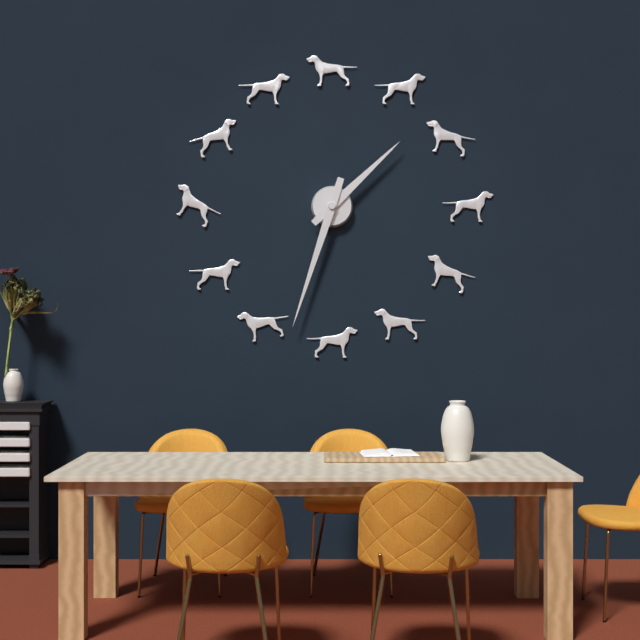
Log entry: {"hour": 1, "minute": 33}
